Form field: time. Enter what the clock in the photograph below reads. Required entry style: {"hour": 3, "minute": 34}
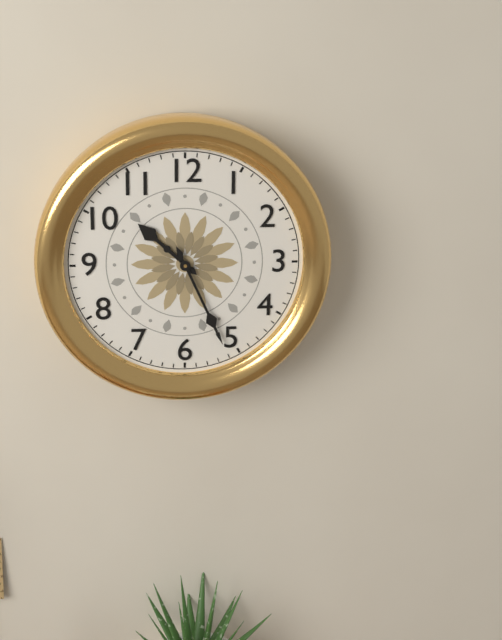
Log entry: {"hour": 10, "minute": 26}
